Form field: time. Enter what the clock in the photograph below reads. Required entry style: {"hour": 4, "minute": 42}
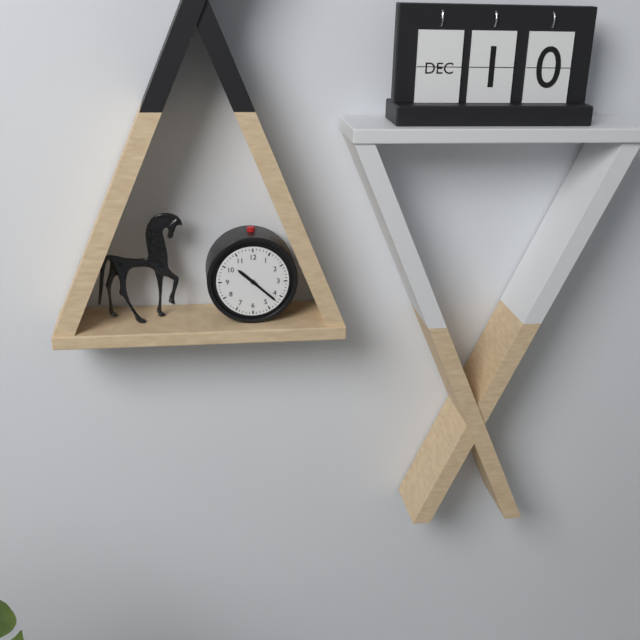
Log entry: {"hour": 10, "minute": 22}
